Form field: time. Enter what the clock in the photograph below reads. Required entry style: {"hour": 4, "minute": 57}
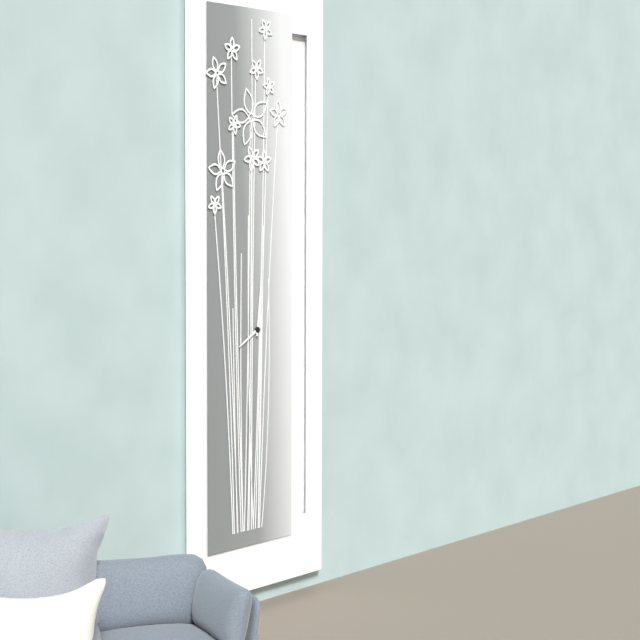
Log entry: {"hour": 8, "minute": 1}
